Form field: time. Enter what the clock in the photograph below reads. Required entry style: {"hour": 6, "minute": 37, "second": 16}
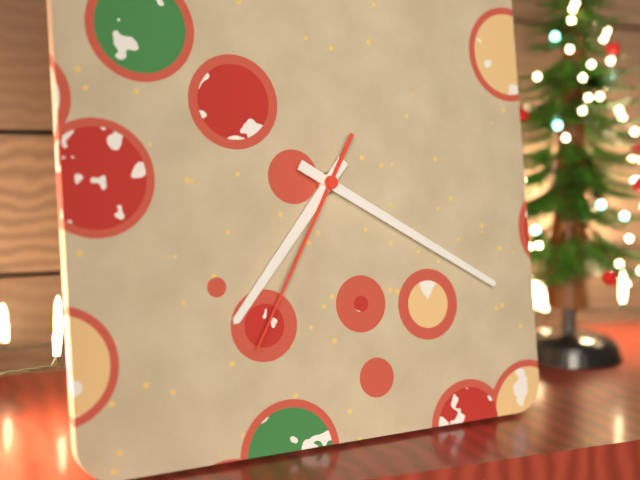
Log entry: {"hour": 7, "minute": 20, "second": 35}
